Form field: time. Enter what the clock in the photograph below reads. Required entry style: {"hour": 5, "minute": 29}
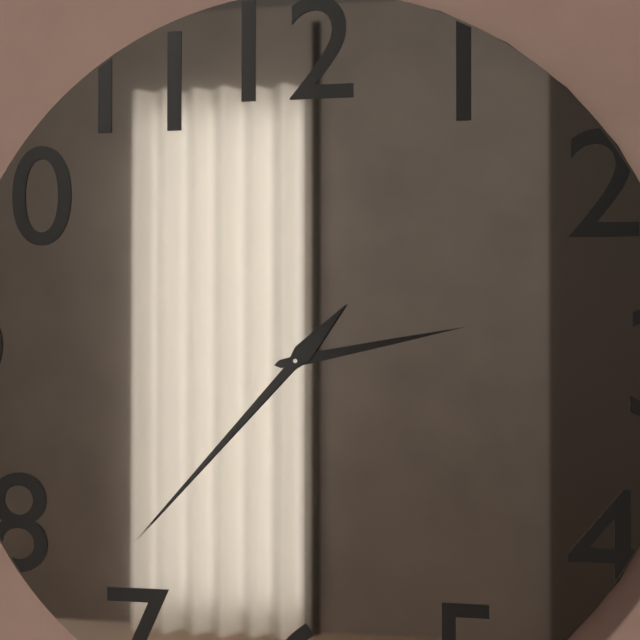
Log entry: {"hour": 2, "minute": 37}
